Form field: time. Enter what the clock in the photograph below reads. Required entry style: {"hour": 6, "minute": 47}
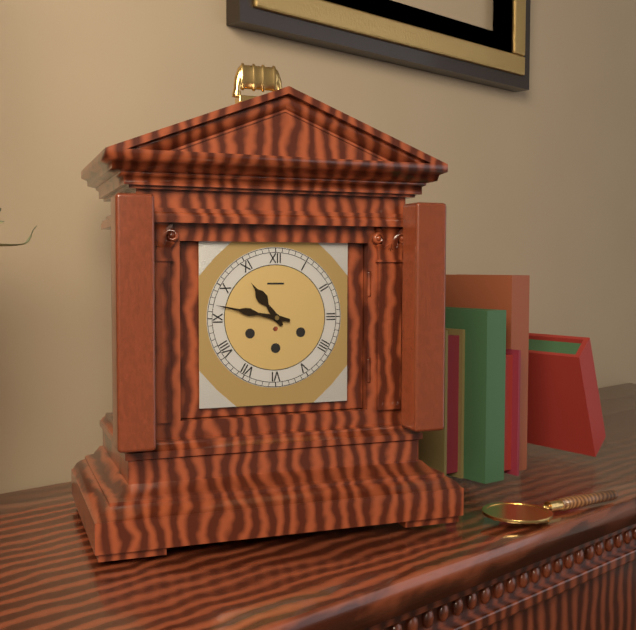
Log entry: {"hour": 10, "minute": 47}
